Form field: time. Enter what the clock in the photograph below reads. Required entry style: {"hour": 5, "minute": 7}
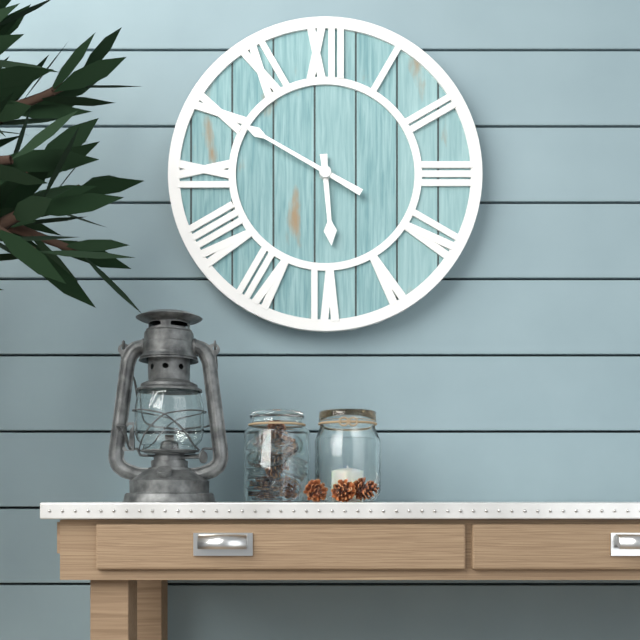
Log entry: {"hour": 5, "minute": 50}
